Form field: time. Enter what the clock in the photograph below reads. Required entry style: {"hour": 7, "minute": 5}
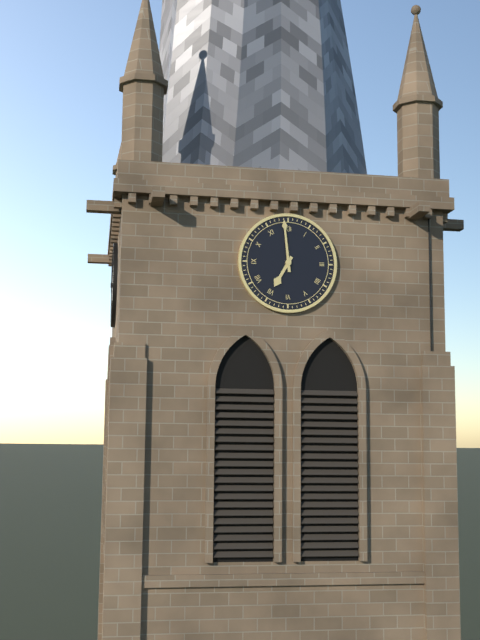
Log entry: {"hour": 6, "minute": 59}
